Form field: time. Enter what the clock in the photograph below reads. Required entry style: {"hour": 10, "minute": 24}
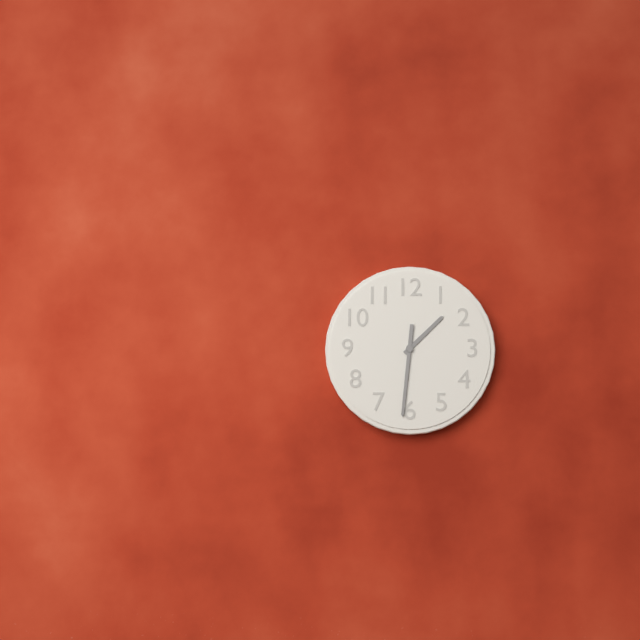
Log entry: {"hour": 1, "minute": 31}
